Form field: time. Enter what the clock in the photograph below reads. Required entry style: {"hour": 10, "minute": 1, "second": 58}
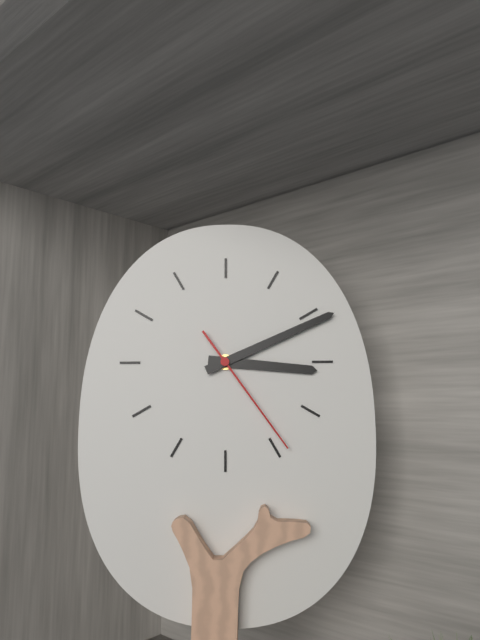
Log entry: {"hour": 3, "minute": 11, "second": 24}
